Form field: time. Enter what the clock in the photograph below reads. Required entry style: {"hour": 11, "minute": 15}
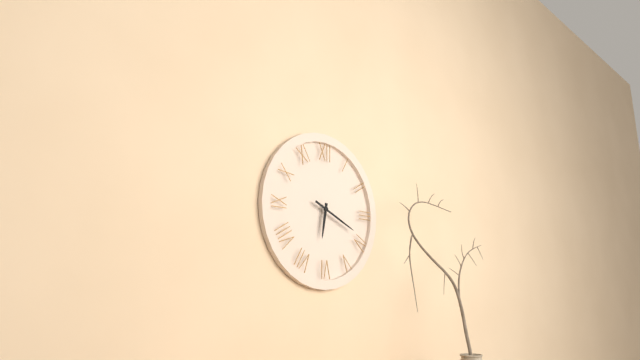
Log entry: {"hour": 6, "minute": 19}
